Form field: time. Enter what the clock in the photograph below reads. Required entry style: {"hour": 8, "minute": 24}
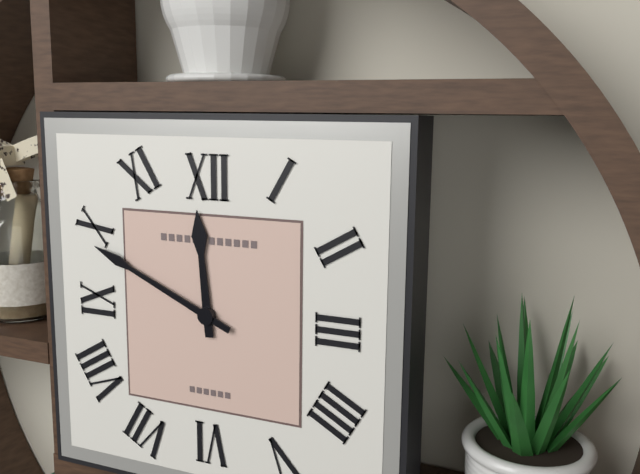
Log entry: {"hour": 11, "minute": 49}
